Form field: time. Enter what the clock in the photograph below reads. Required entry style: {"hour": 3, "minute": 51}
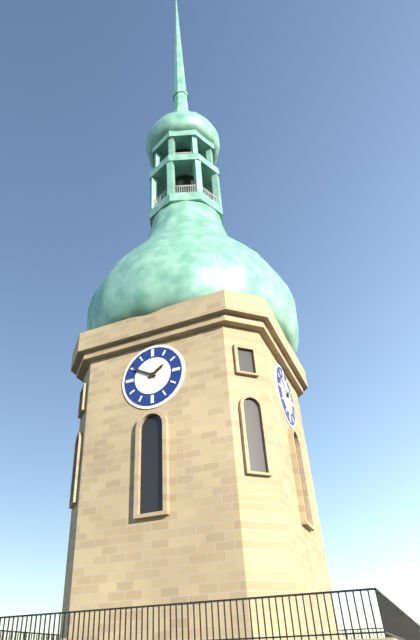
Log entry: {"hour": 1, "minute": 50}
